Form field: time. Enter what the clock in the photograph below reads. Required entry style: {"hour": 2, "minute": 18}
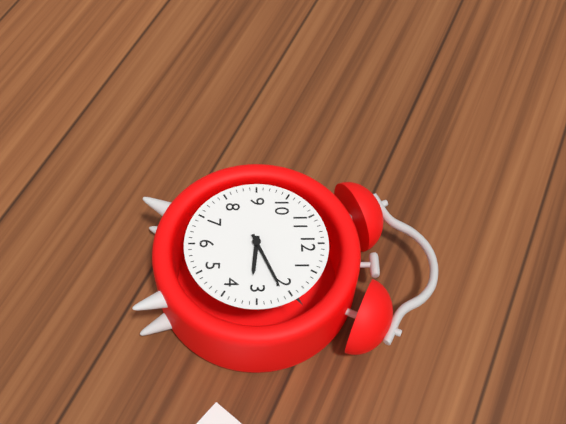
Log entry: {"hour": 3, "minute": 11}
